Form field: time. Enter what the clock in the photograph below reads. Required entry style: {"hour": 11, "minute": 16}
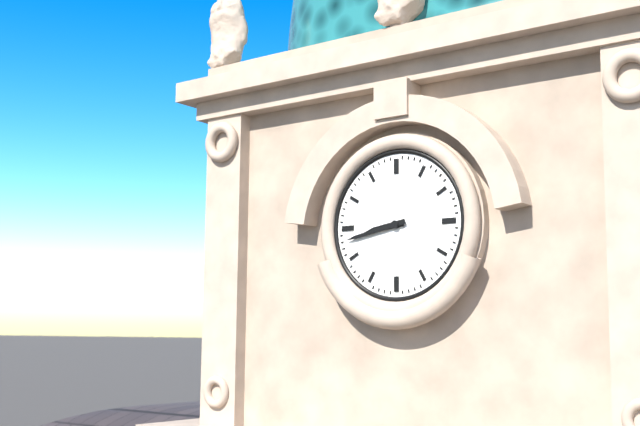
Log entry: {"hour": 8, "minute": 43}
